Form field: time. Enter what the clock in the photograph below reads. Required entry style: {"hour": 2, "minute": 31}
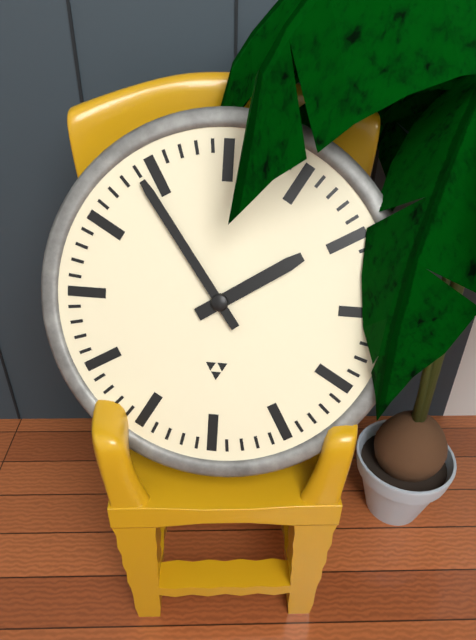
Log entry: {"hour": 1, "minute": 54}
